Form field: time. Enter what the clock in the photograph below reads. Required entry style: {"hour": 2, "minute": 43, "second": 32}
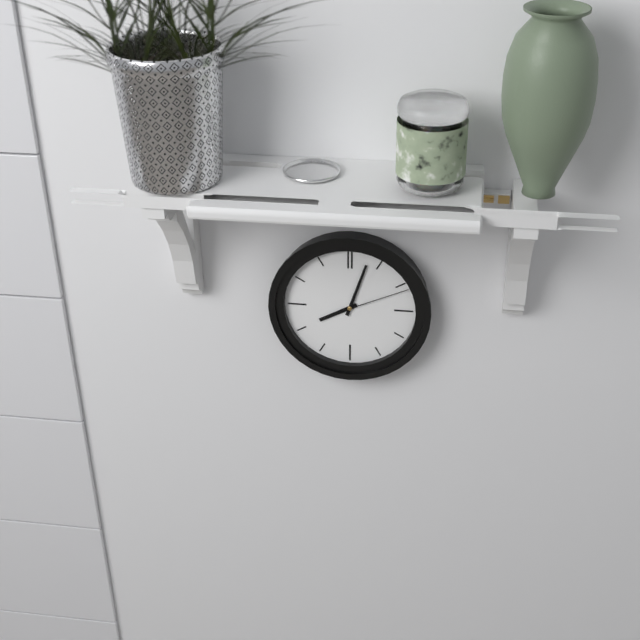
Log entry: {"hour": 8, "minute": 3, "second": 11}
